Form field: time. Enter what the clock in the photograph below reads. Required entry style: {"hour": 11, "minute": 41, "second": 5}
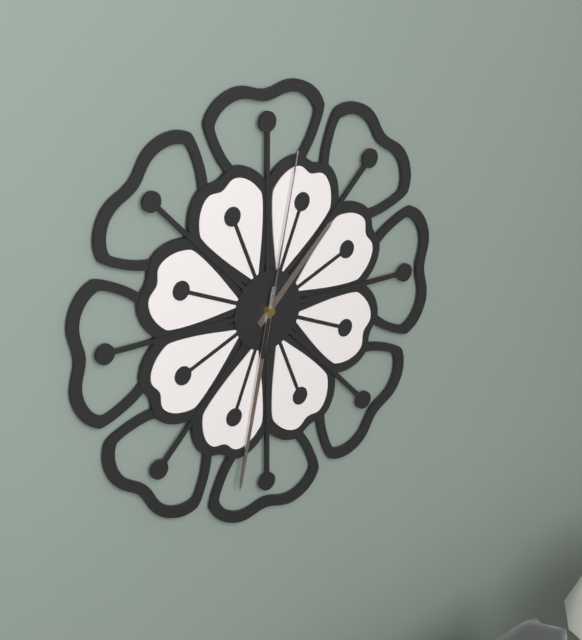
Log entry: {"hour": 1, "minute": 32, "second": 2}
